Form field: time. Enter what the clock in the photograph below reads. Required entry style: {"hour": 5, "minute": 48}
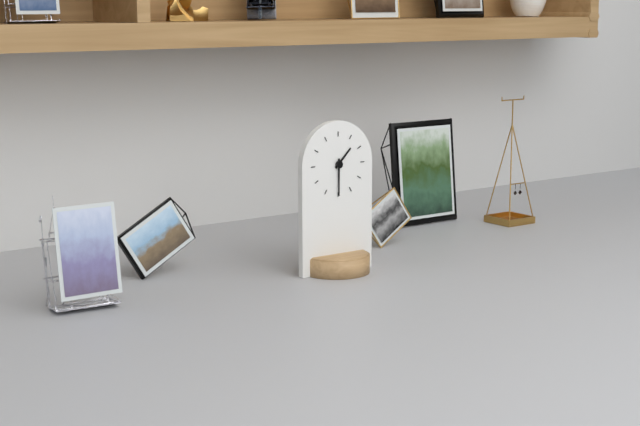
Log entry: {"hour": 1, "minute": 30}
